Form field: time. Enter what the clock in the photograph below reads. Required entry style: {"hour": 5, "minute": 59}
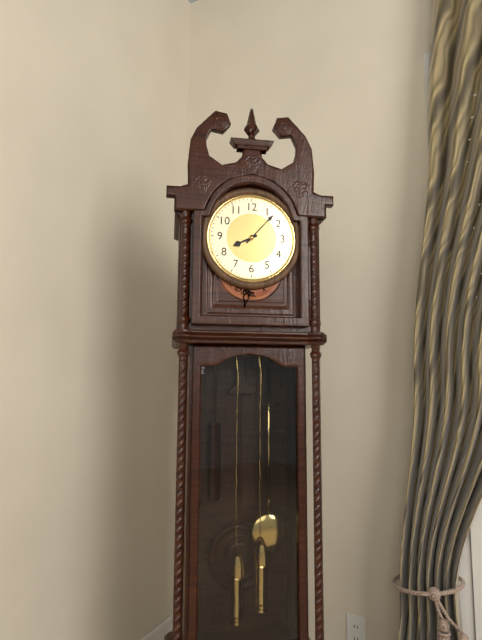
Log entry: {"hour": 8, "minute": 7}
